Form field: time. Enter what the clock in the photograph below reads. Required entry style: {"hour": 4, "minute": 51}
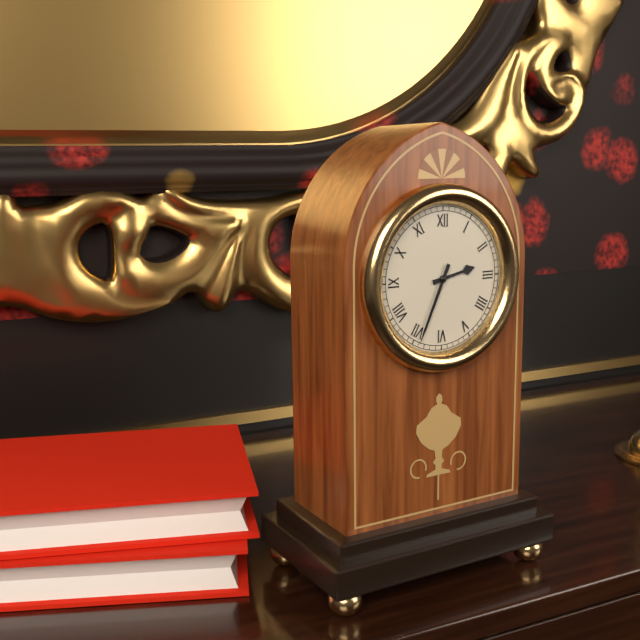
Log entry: {"hour": 2, "minute": 34}
